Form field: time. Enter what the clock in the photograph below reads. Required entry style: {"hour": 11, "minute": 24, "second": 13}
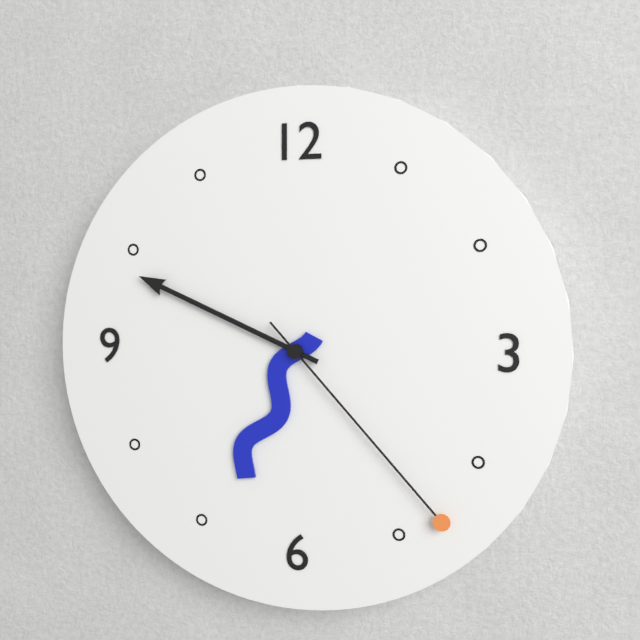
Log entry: {"hour": 6, "minute": 49, "second": 23}
